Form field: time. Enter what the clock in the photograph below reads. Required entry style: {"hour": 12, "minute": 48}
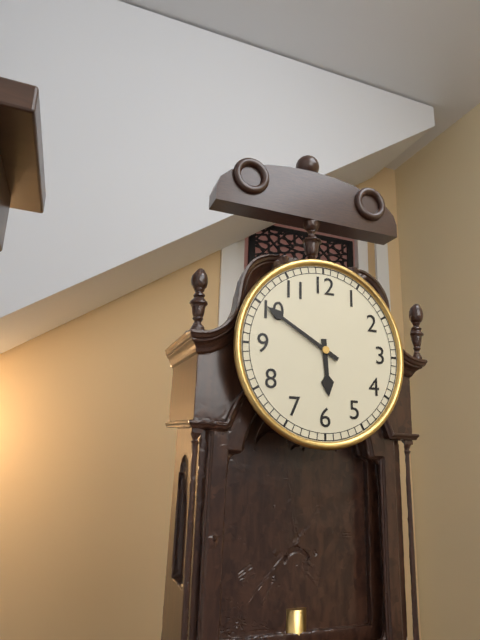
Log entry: {"hour": 5, "minute": 50}
